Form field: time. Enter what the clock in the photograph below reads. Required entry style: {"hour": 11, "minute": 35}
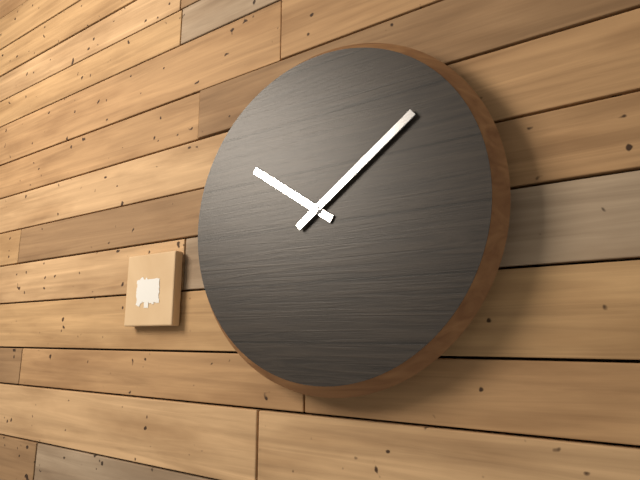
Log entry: {"hour": 10, "minute": 9}
